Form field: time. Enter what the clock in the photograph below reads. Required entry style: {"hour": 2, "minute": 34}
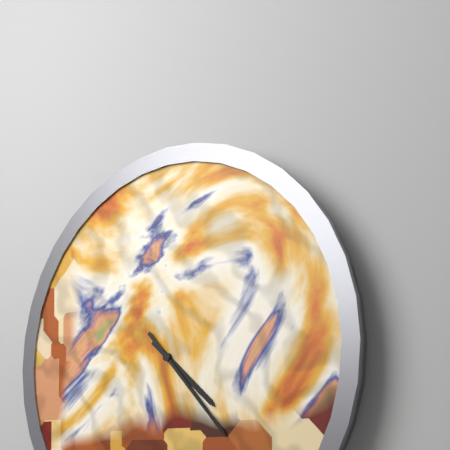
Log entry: {"hour": 4, "minute": 23}
